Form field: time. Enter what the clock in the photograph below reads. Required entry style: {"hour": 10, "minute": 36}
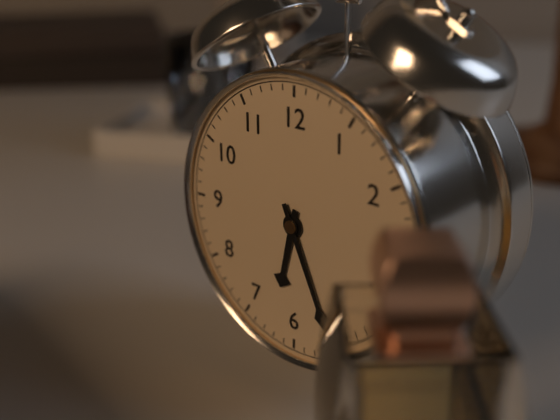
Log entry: {"hour": 6, "minute": 26}
